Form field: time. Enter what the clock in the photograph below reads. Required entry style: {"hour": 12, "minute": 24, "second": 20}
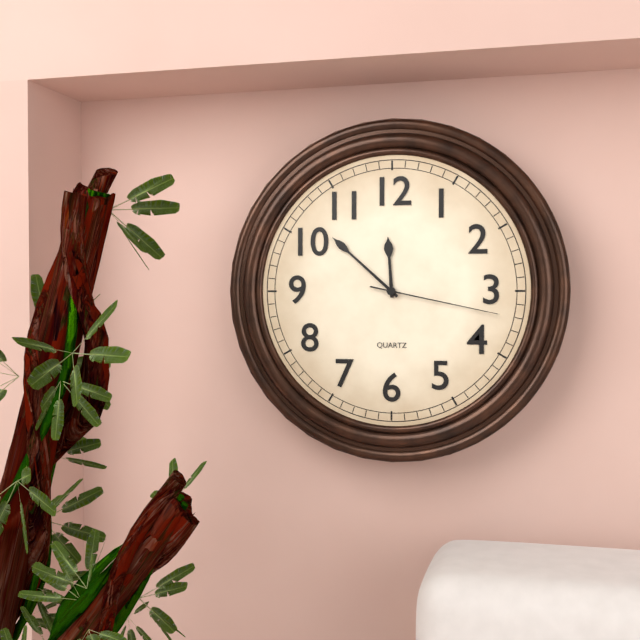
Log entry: {"hour": 11, "minute": 52, "second": 17}
